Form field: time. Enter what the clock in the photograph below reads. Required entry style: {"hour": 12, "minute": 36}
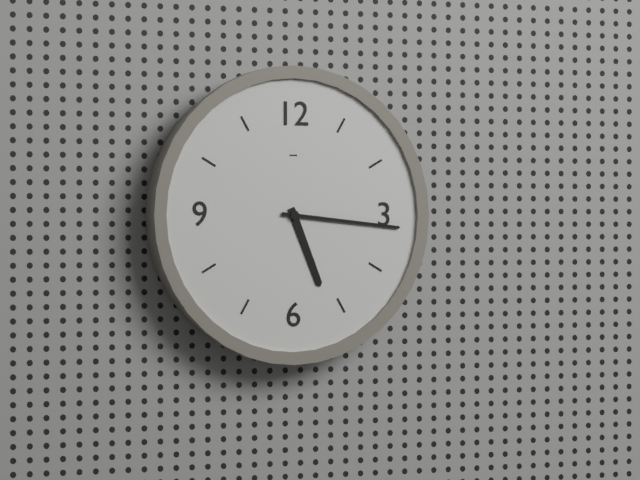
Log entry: {"hour": 5, "minute": 16}
